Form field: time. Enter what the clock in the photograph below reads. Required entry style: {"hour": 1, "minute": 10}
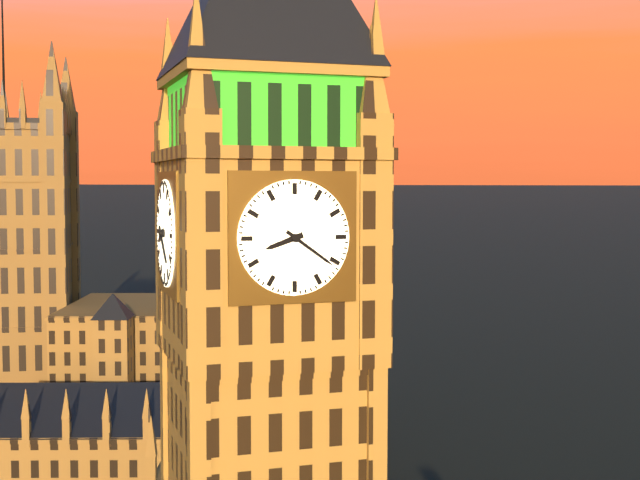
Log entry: {"hour": 8, "minute": 21}
